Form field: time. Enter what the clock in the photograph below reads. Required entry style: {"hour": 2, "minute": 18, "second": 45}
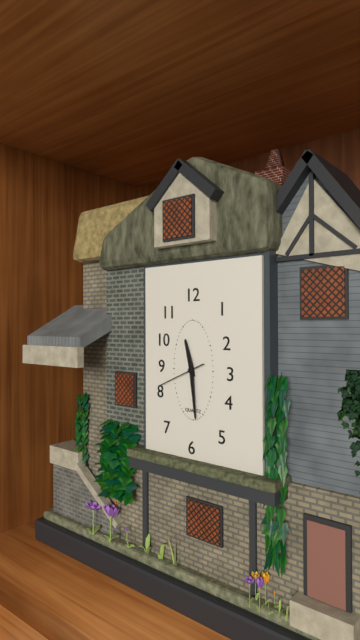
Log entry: {"hour": 11, "minute": 29, "second": 41}
